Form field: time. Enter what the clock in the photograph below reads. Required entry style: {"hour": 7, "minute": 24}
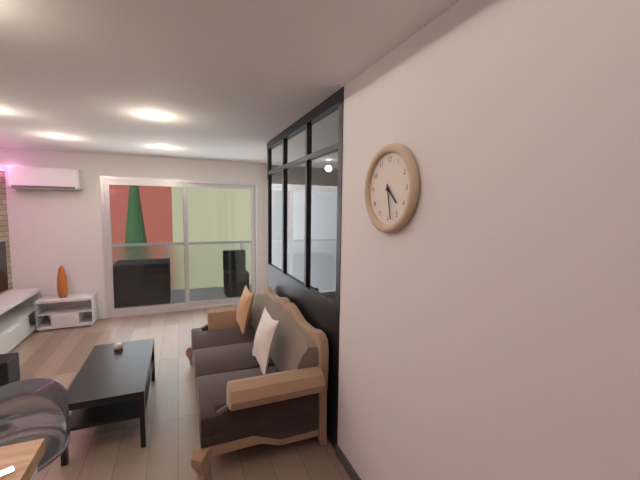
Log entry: {"hour": 4, "minute": 28}
